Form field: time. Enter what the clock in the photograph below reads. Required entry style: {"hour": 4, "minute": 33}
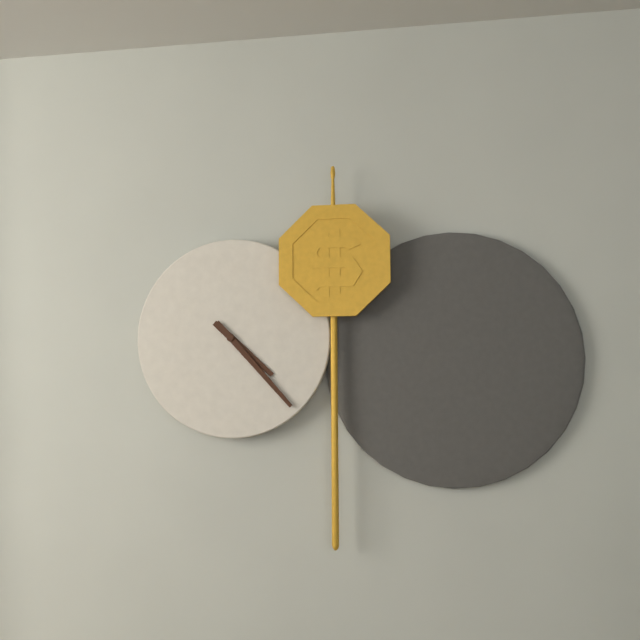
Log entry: {"hour": 4, "minute": 23}
